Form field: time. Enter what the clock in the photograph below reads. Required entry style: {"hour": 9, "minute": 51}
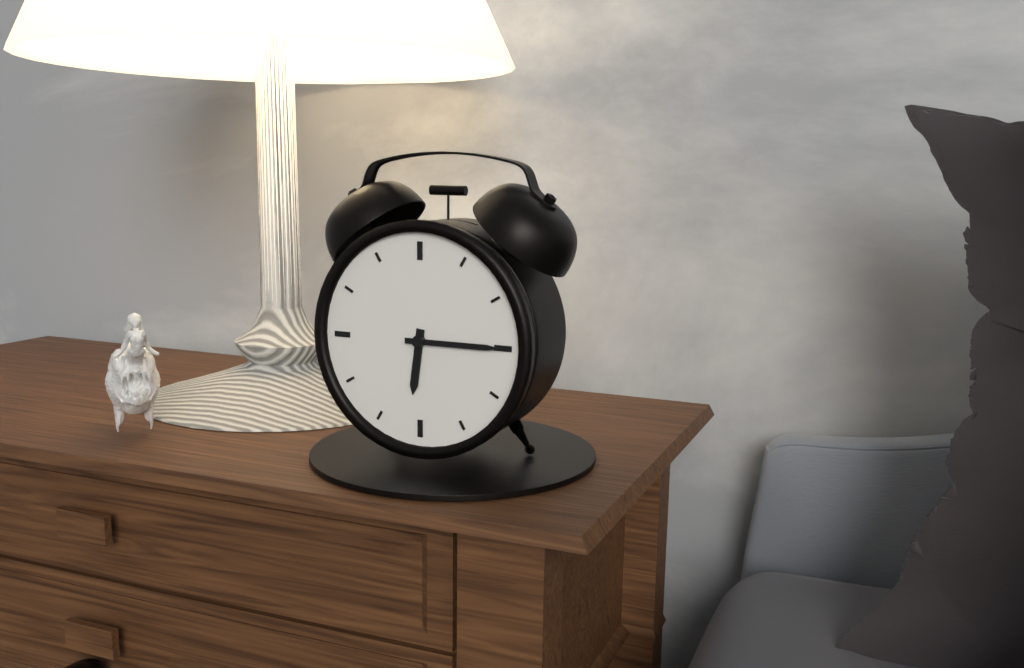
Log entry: {"hour": 6, "minute": 15}
